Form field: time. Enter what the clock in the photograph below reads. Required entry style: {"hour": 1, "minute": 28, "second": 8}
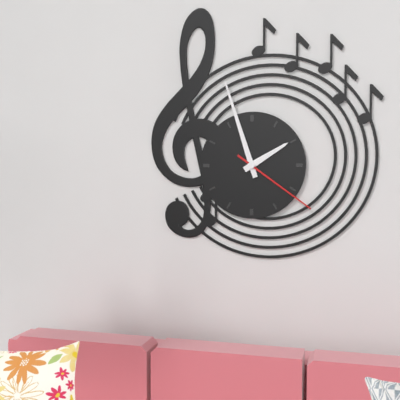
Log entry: {"hour": 1, "minute": 57, "second": 21}
